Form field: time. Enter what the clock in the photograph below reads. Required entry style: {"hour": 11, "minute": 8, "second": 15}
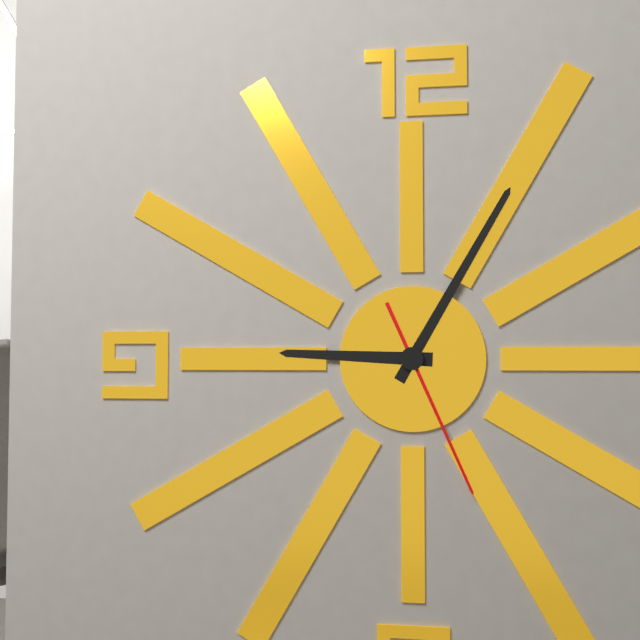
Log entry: {"hour": 9, "minute": 5, "second": 26}
